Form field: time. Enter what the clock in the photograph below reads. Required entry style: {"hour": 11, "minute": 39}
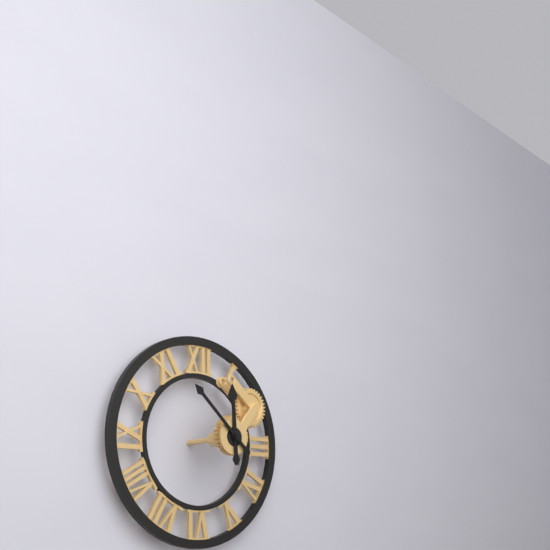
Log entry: {"hour": 11, "minute": 52}
